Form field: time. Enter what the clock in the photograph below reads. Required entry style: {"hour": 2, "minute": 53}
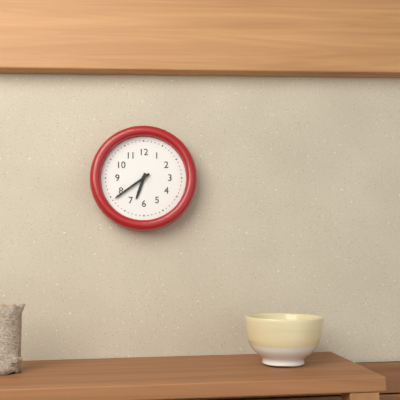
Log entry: {"hour": 6, "minute": 39}
